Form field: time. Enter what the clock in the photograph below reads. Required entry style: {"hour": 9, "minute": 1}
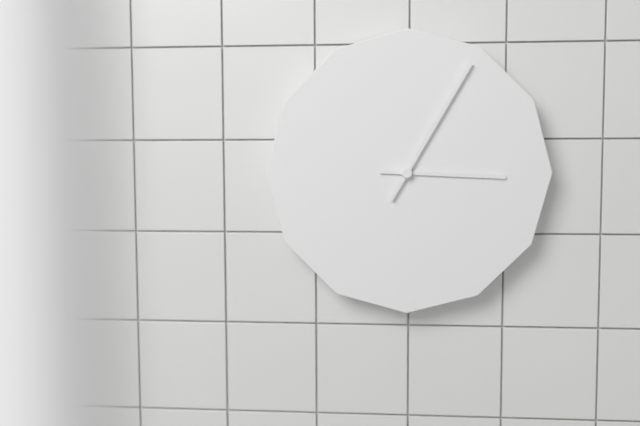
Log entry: {"hour": 3, "minute": 5}
